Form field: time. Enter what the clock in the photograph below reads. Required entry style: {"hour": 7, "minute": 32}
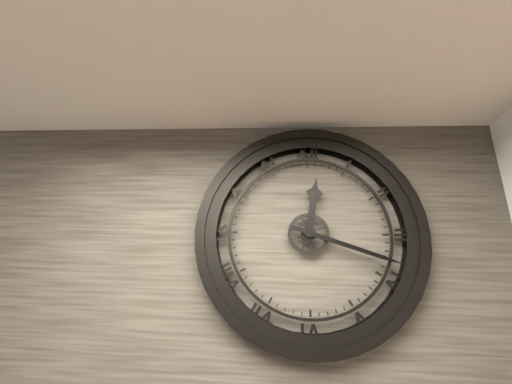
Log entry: {"hour": 12, "minute": 18}
